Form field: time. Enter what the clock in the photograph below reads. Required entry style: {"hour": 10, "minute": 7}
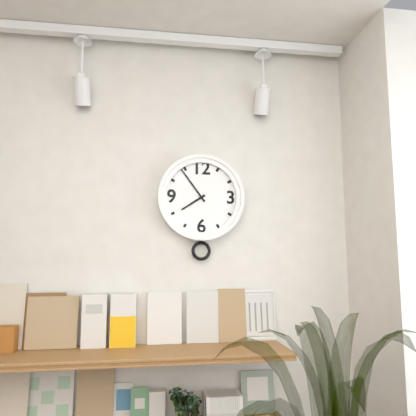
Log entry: {"hour": 7, "minute": 54}
